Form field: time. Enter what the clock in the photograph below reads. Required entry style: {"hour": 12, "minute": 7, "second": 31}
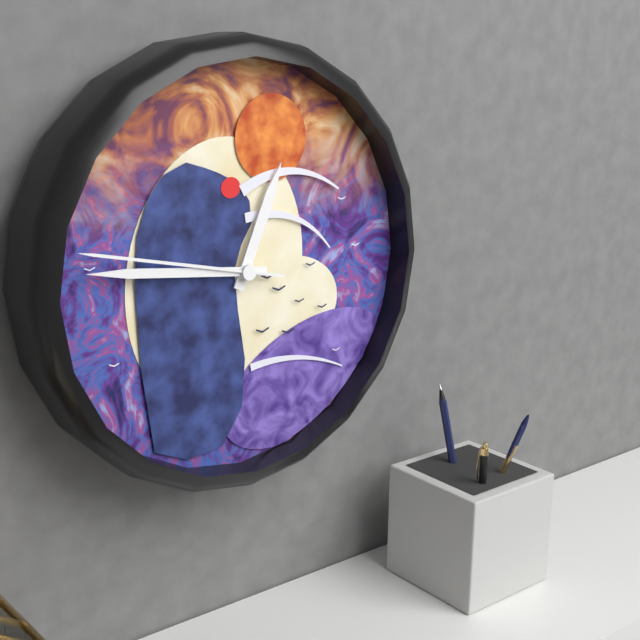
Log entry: {"hour": 12, "minute": 46, "second": 47}
